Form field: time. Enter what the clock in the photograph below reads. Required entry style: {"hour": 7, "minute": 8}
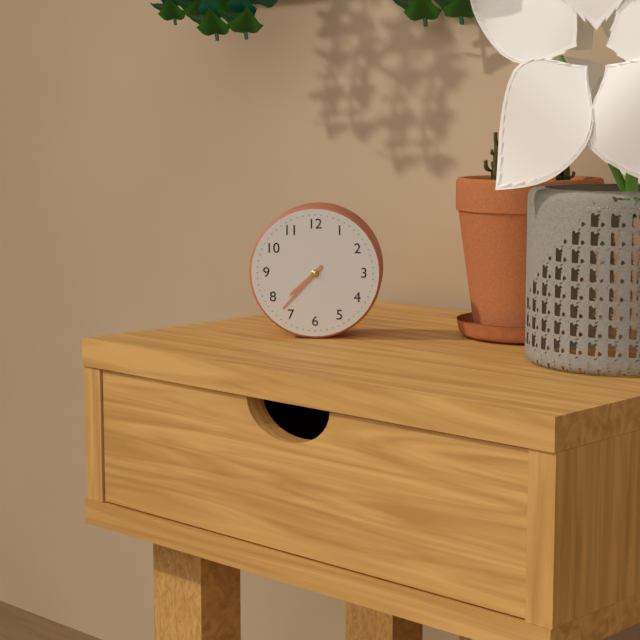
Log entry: {"hour": 7, "minute": 37}
